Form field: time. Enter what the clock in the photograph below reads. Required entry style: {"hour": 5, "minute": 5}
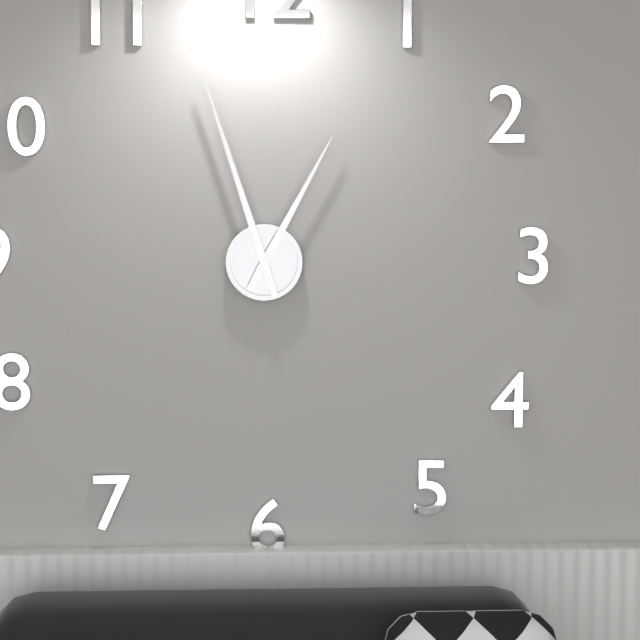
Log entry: {"hour": 12, "minute": 57}
